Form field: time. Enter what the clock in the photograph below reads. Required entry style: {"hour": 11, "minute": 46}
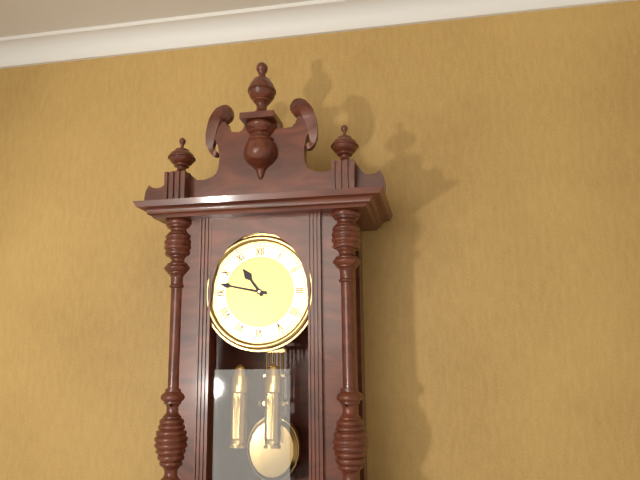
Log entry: {"hour": 10, "minute": 47}
